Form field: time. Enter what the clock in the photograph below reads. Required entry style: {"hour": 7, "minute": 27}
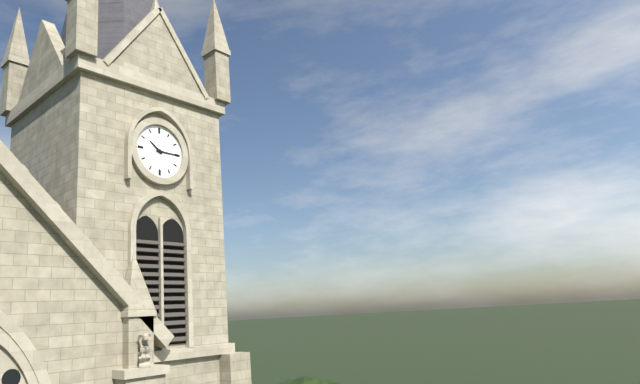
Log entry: {"hour": 10, "minute": 15}
